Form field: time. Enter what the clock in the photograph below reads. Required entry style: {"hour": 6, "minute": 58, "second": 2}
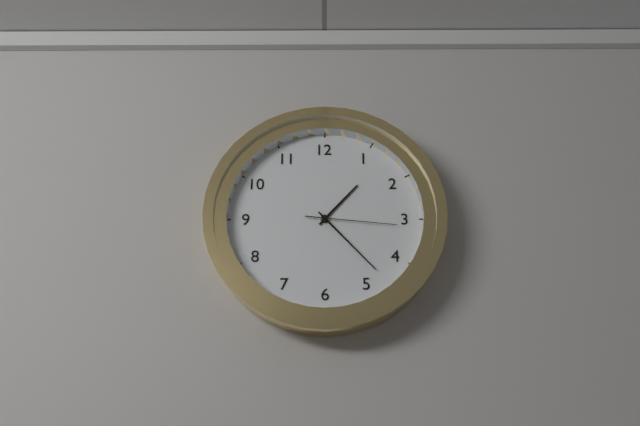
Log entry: {"hour": 1, "minute": 23, "second": 16}
